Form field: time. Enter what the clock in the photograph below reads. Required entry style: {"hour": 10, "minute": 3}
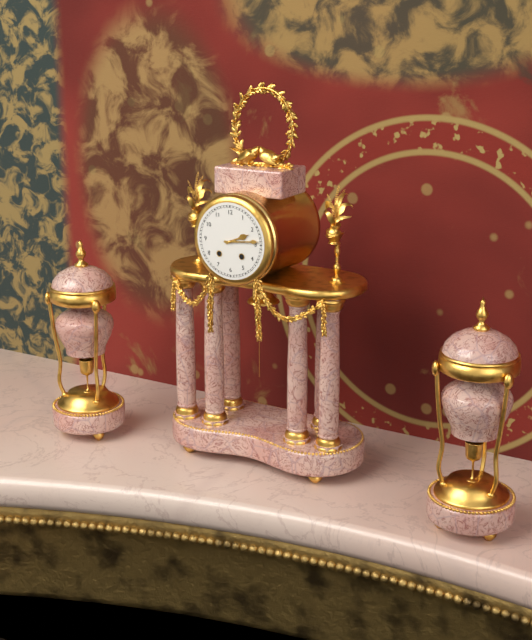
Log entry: {"hour": 2, "minute": 14}
